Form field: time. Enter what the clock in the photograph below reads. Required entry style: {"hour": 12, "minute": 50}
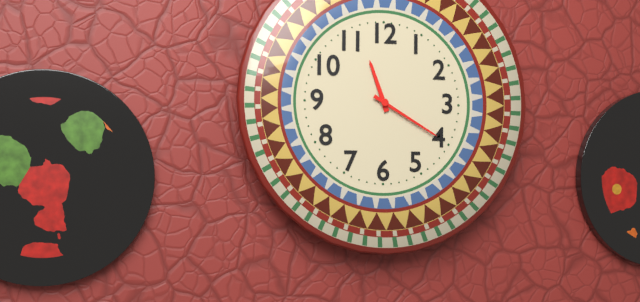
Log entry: {"hour": 11, "minute": 20}
